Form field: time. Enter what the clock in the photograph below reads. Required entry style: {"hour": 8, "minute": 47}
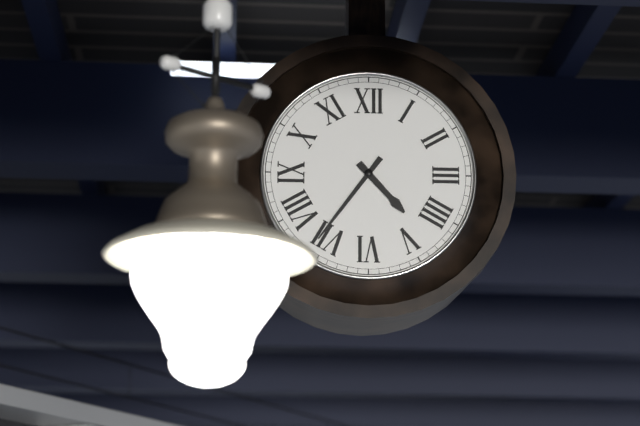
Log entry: {"hour": 4, "minute": 36}
